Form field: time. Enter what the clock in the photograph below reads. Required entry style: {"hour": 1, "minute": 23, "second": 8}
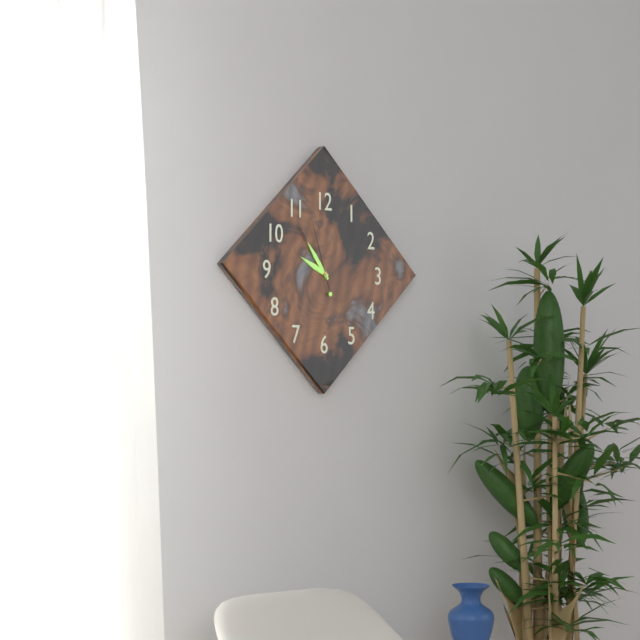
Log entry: {"hour": 9, "minute": 54, "second": 57}
